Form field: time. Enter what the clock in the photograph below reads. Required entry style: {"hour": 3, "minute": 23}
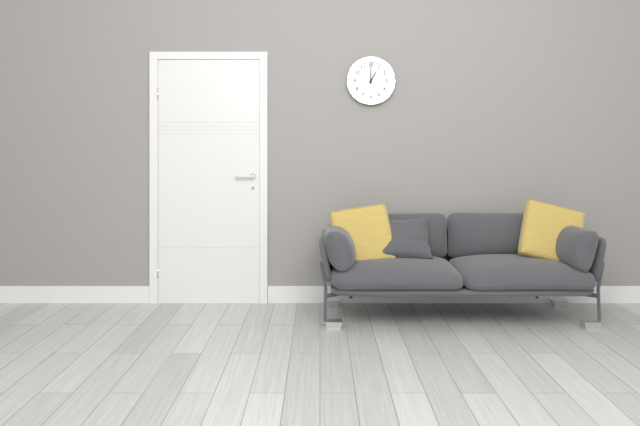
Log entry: {"hour": 1, "minute": 0}
